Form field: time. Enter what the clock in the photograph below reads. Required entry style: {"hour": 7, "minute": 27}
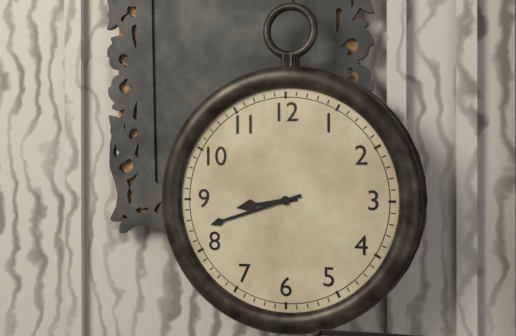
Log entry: {"hour": 8, "minute": 42}
